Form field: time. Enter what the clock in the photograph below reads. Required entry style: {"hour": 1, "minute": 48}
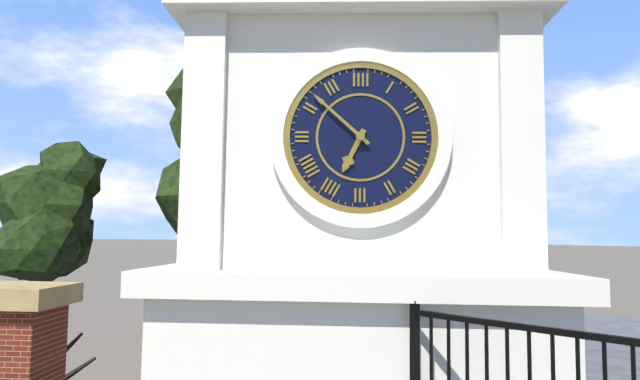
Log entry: {"hour": 6, "minute": 52}
